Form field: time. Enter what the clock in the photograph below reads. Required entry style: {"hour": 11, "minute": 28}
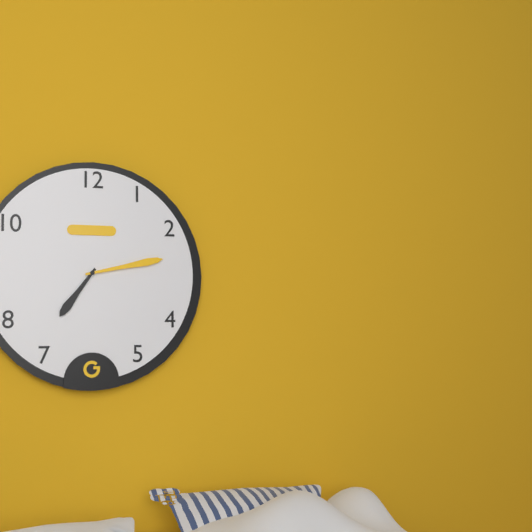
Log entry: {"hour": 7, "minute": 13}
